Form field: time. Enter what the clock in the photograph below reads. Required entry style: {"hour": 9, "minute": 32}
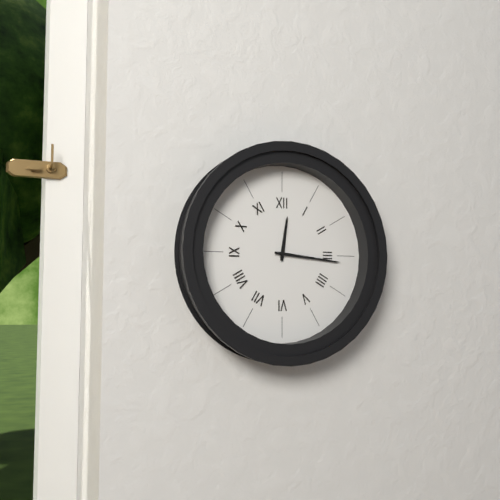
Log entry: {"hour": 12, "minute": 16}
